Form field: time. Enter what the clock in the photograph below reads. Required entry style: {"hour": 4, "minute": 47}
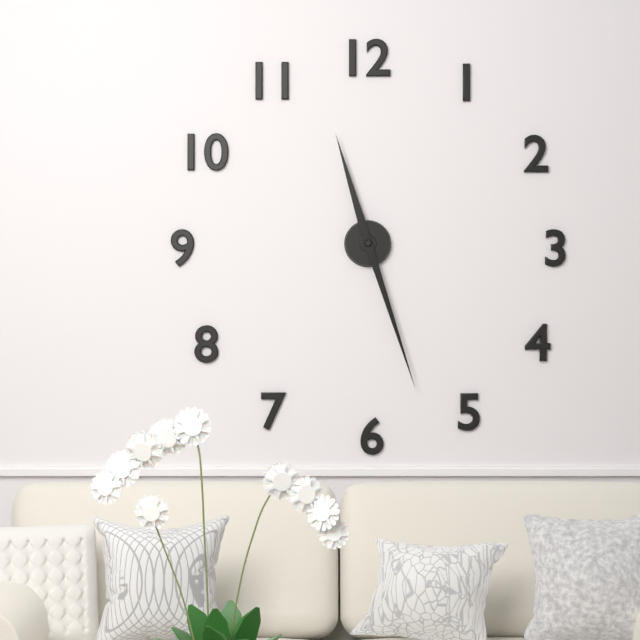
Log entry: {"hour": 11, "minute": 27}
